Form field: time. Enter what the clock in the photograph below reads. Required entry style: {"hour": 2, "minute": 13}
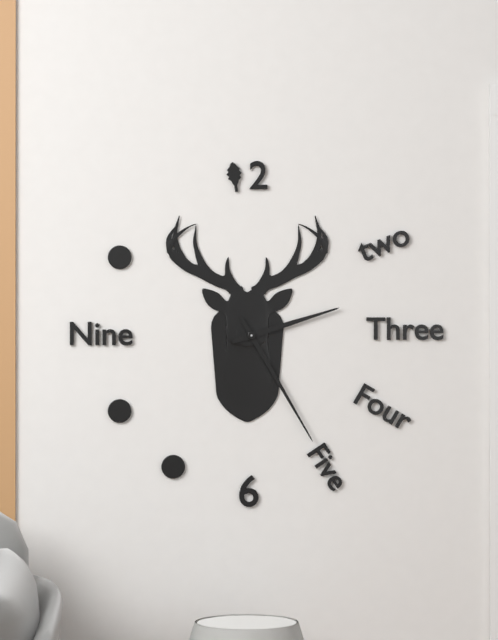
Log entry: {"hour": 2, "minute": 25}
